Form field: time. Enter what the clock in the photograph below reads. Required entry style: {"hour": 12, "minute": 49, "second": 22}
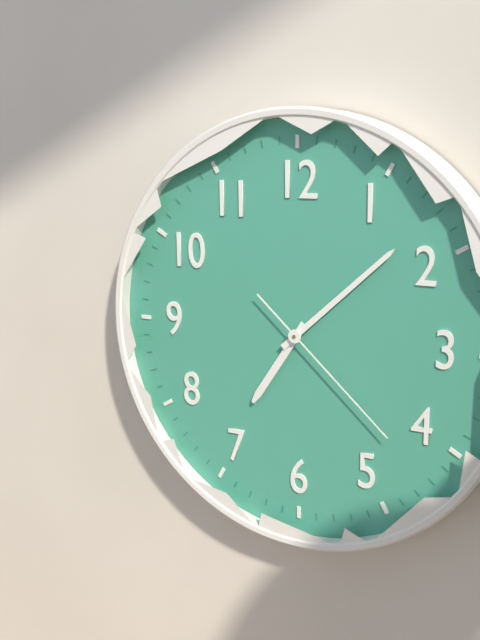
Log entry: {"hour": 7, "minute": 8, "second": 22}
